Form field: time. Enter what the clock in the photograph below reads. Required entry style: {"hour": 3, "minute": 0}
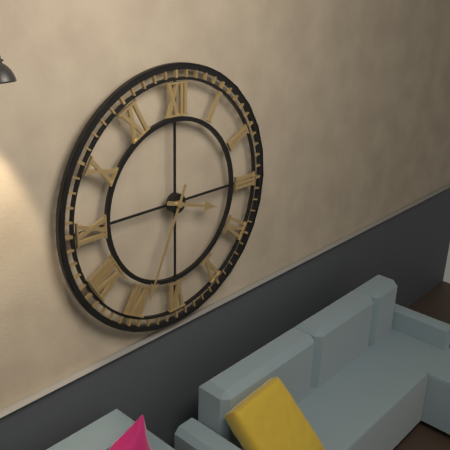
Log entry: {"hour": 3, "minute": 34}
